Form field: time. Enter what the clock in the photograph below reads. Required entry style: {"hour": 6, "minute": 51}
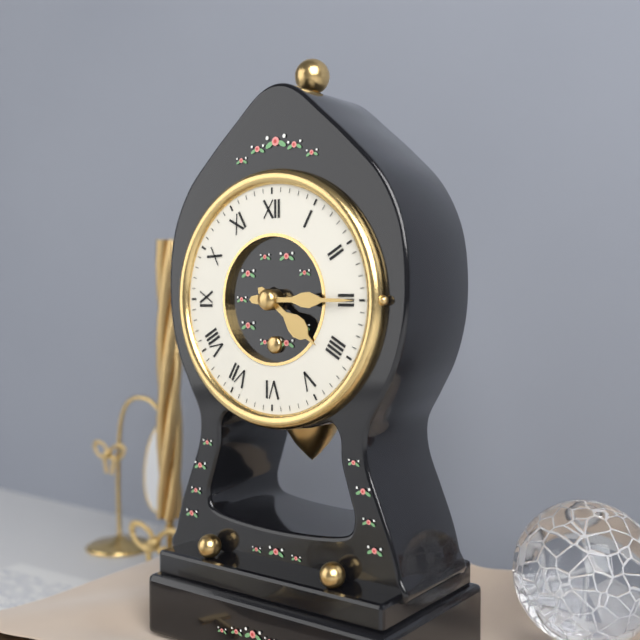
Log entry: {"hour": 4, "minute": 15}
